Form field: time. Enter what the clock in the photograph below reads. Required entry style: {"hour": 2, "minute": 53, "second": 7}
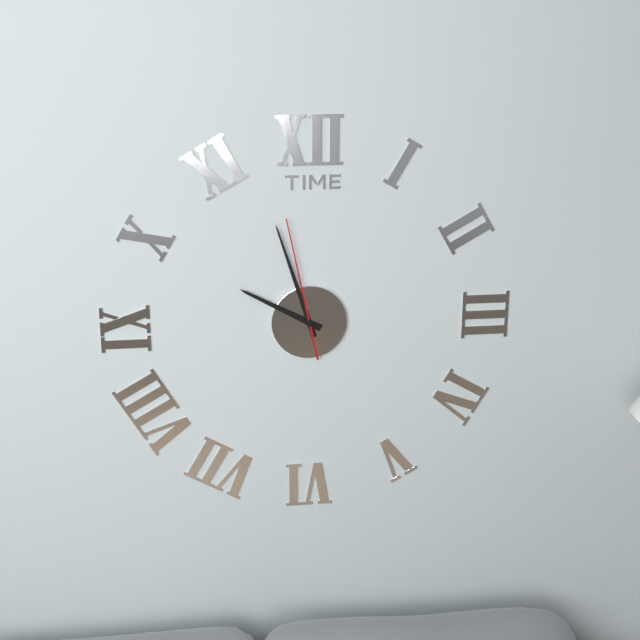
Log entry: {"hour": 9, "minute": 57, "second": 58}
